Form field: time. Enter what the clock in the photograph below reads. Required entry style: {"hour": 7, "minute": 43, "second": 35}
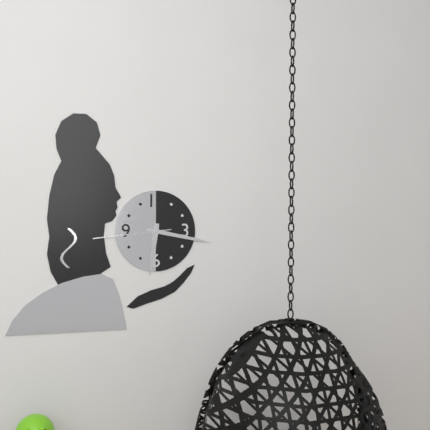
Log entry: {"hour": 6, "minute": 17, "second": 44}
